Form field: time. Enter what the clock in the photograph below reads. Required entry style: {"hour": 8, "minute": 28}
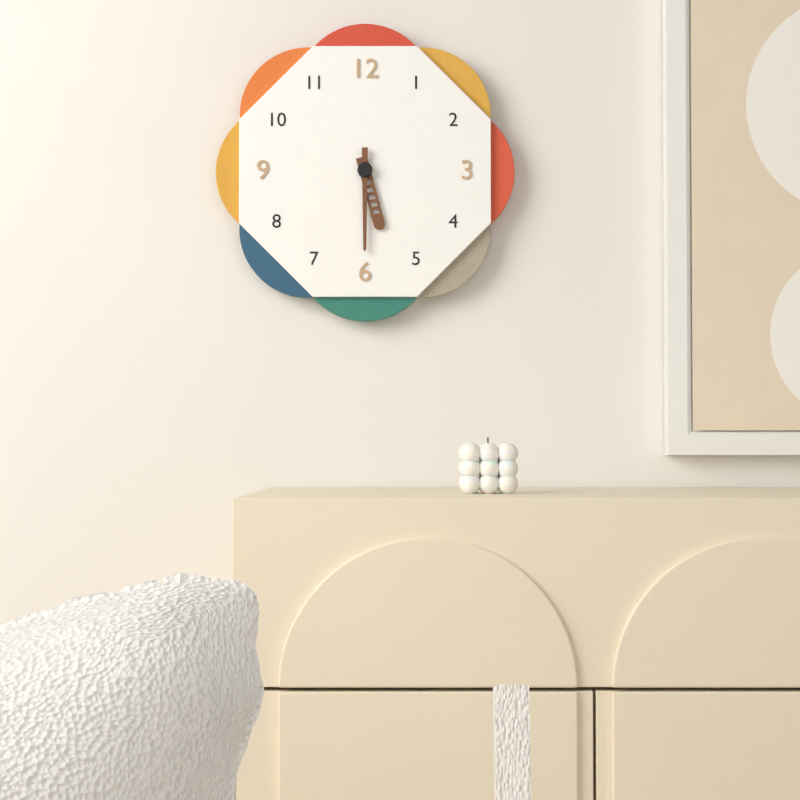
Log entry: {"hour": 5, "minute": 30}
